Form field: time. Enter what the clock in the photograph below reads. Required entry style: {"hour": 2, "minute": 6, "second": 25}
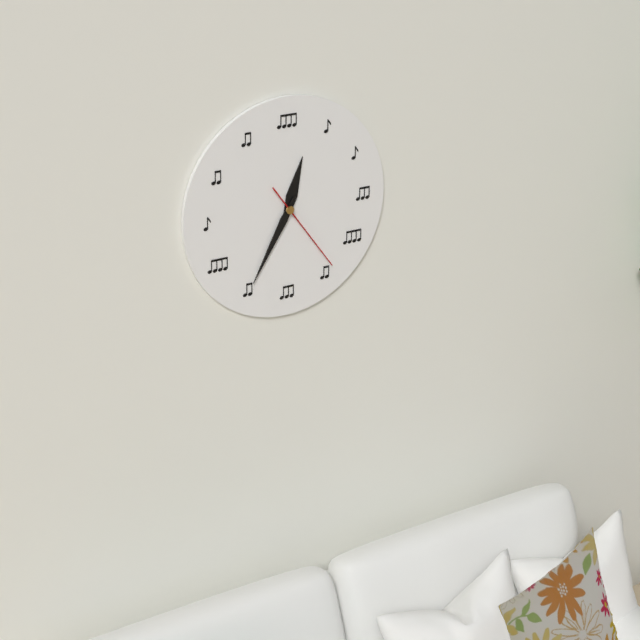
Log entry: {"hour": 12, "minute": 35, "second": 24}
